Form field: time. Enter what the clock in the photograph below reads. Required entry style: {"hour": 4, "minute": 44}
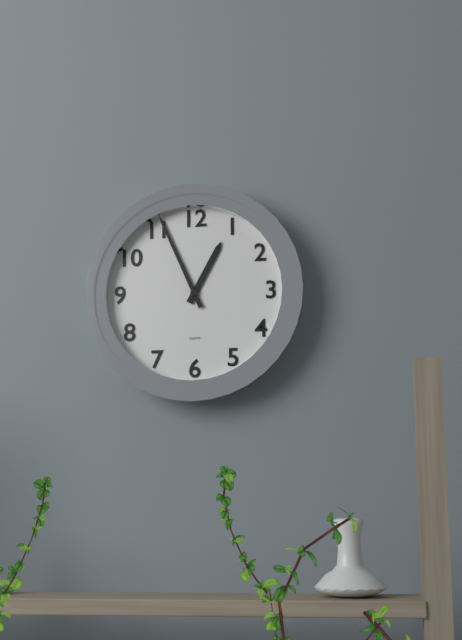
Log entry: {"hour": 12, "minute": 56}
